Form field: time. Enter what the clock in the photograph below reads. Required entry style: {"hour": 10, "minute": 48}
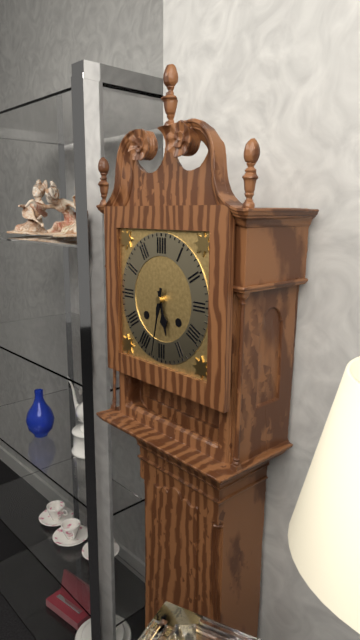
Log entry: {"hour": 5, "minute": 32}
